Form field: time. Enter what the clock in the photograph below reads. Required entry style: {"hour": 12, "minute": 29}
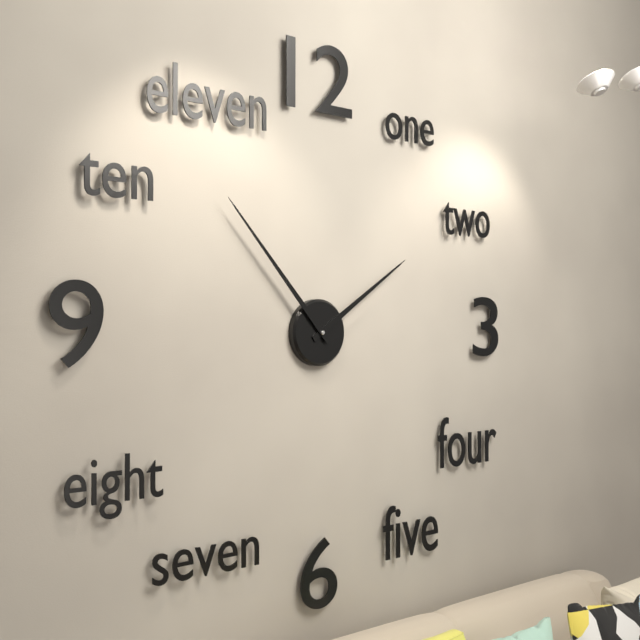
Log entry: {"hour": 1, "minute": 53}
